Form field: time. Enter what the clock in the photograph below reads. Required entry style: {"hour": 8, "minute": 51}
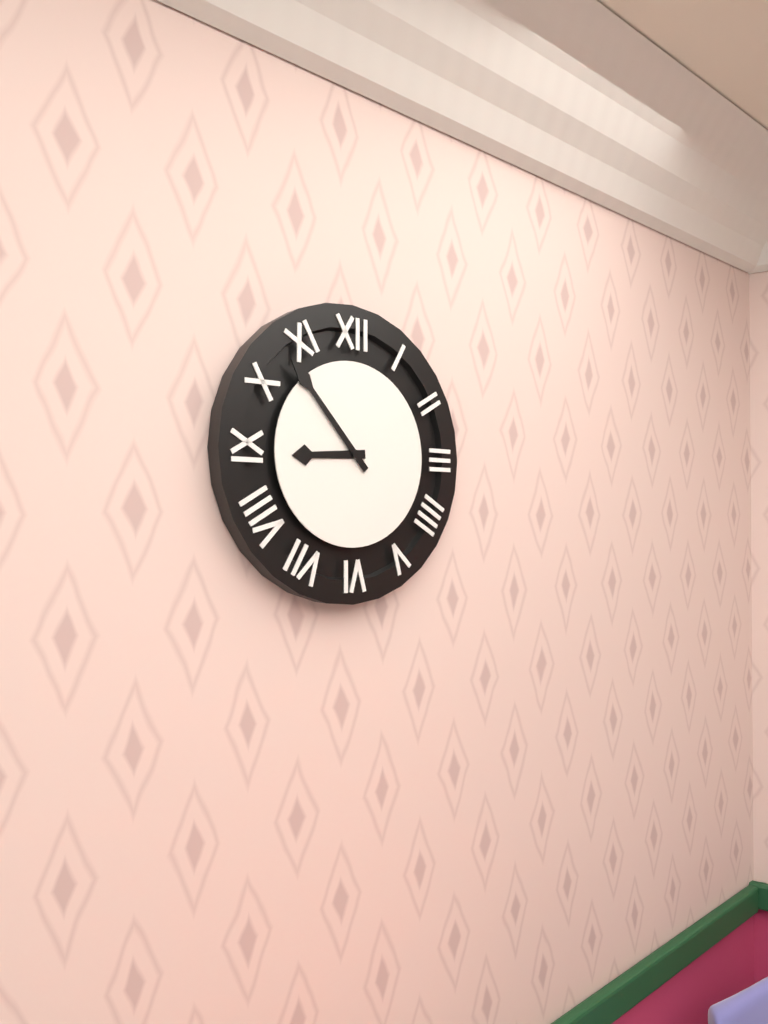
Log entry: {"hour": 8, "minute": 53}
